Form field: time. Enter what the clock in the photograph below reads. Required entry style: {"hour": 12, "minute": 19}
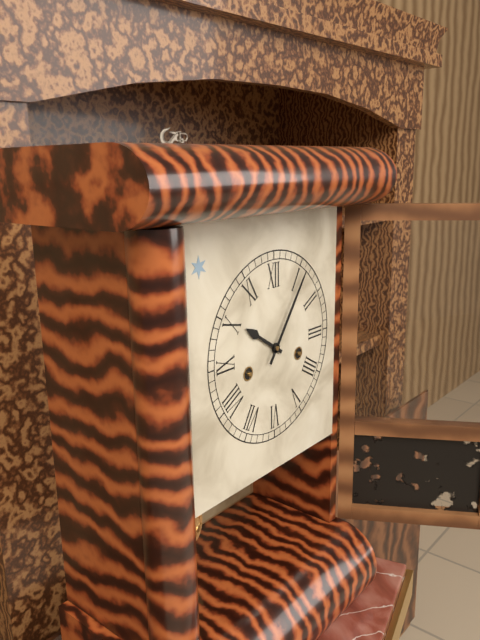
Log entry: {"hour": 10, "minute": 6}
